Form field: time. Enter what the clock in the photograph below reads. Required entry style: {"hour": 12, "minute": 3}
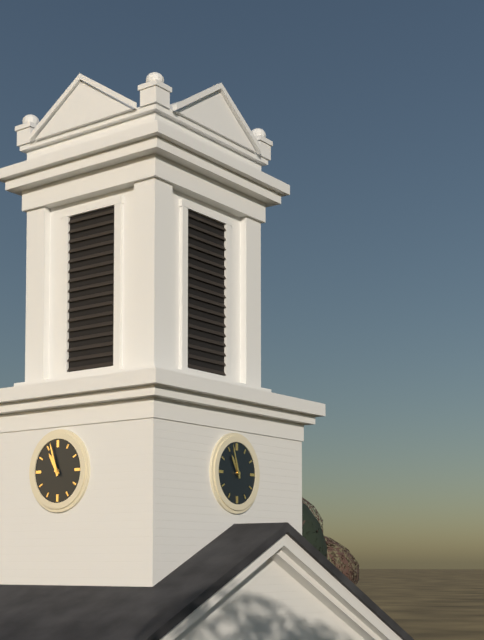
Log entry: {"hour": 10, "minute": 57}
